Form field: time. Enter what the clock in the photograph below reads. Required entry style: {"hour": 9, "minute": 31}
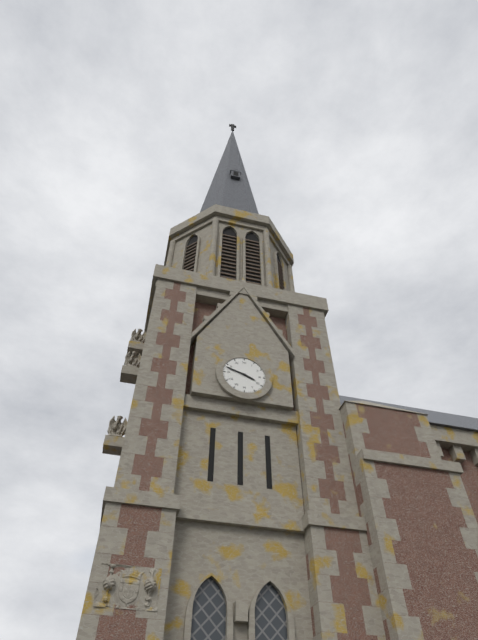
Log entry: {"hour": 3, "minute": 48}
